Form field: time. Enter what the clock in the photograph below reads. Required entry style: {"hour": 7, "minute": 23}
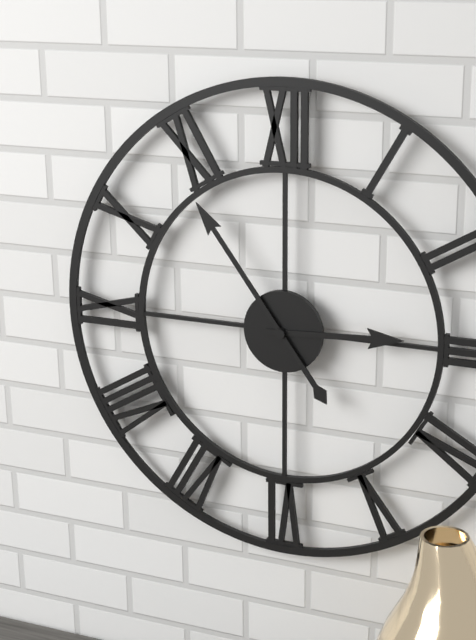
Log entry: {"hour": 2, "minute": 54}
